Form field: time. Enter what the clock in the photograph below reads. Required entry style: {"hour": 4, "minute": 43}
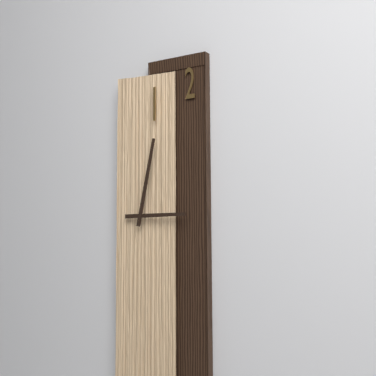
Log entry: {"hour": 3, "minute": 2}
